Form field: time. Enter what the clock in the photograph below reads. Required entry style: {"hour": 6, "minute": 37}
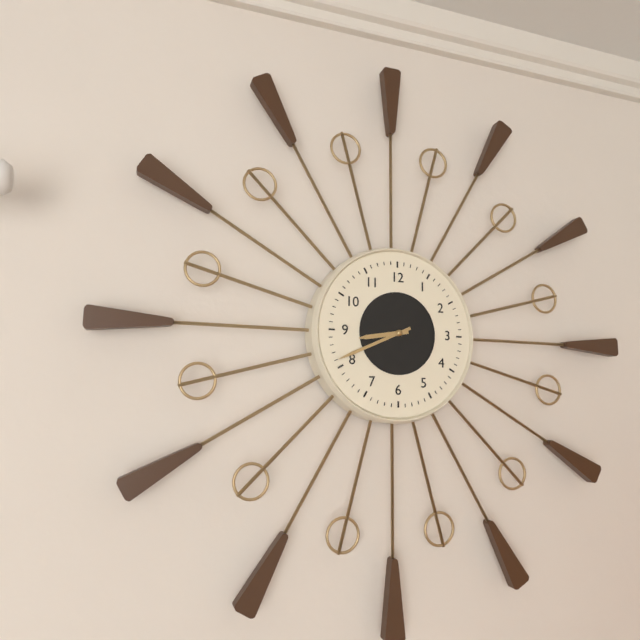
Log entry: {"hour": 8, "minute": 41}
